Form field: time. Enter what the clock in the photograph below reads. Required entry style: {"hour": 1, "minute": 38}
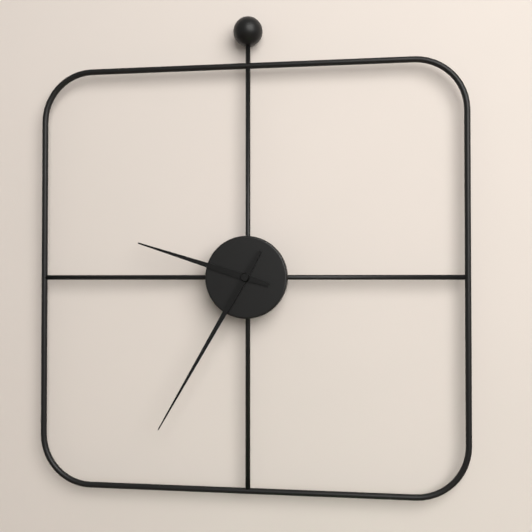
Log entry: {"hour": 9, "minute": 35}
